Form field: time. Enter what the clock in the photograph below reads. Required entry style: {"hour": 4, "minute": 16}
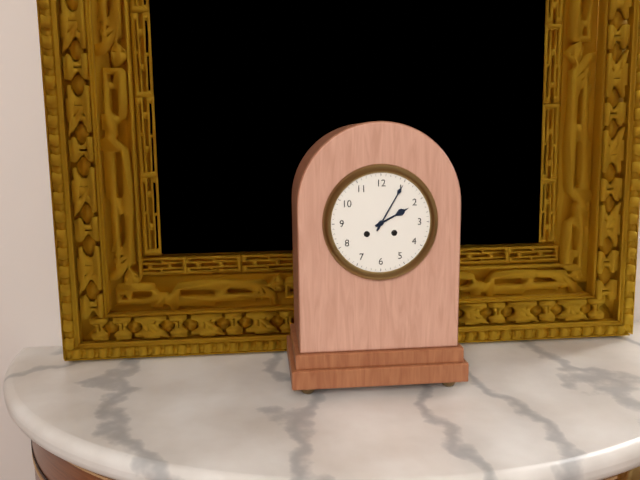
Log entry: {"hour": 2, "minute": 5}
